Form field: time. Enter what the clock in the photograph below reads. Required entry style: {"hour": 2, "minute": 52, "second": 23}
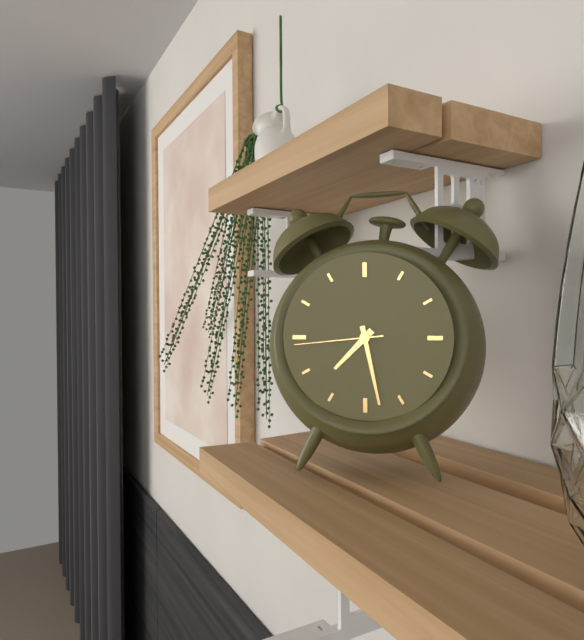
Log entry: {"hour": 7, "minute": 28, "second": 44}
